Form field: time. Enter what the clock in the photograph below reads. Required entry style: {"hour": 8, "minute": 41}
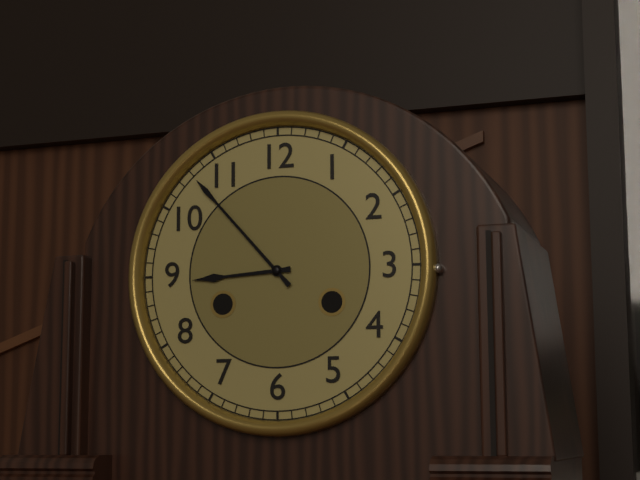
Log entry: {"hour": 8, "minute": 53}
